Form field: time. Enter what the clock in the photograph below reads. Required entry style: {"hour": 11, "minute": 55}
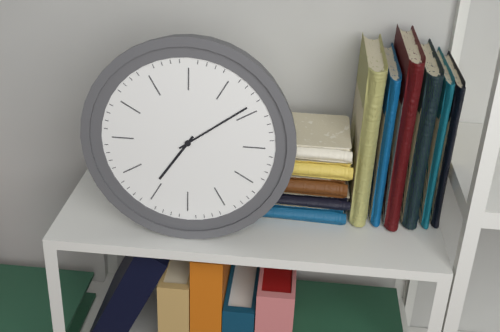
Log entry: {"hour": 7, "minute": 9}
